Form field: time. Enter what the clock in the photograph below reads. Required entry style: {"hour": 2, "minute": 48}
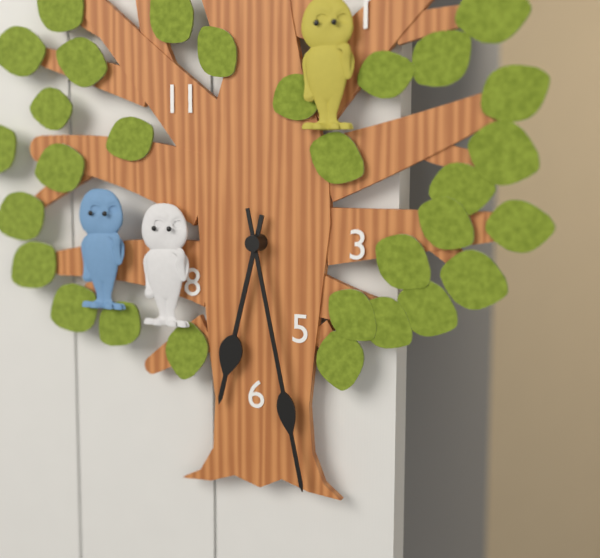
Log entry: {"hour": 6, "minute": 28}
